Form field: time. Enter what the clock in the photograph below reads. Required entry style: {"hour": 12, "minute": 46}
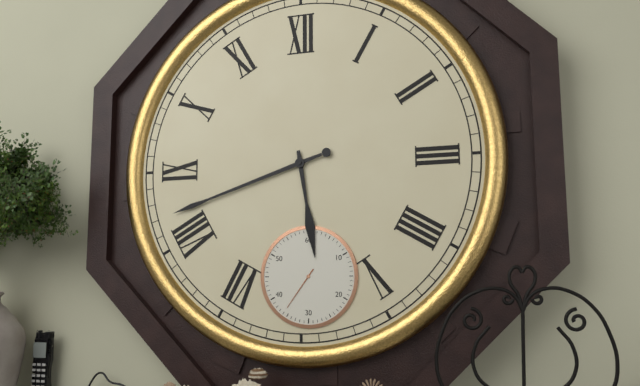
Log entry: {"hour": 5, "minute": 42}
